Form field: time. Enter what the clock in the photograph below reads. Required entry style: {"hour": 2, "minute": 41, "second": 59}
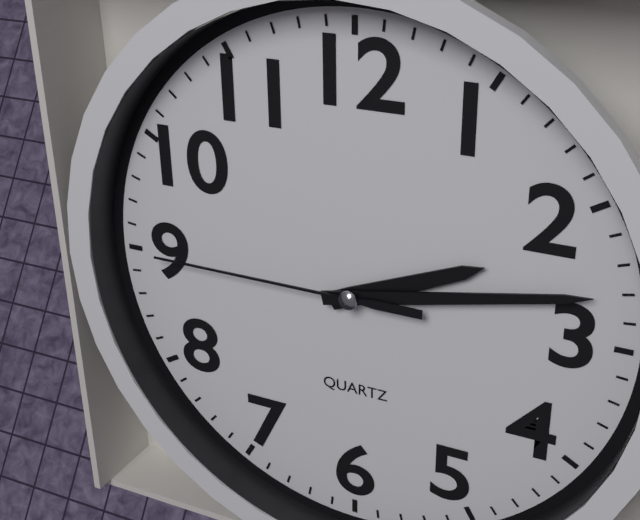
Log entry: {"hour": 2, "minute": 13, "second": 45}
